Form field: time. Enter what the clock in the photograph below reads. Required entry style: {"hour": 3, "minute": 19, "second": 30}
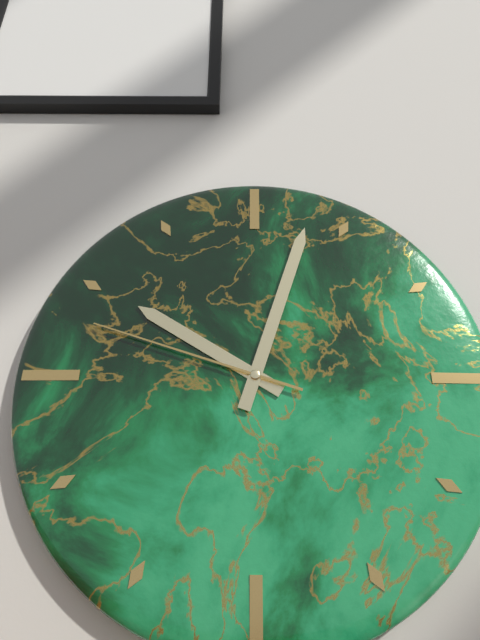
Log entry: {"hour": 10, "minute": 3, "second": 48}
